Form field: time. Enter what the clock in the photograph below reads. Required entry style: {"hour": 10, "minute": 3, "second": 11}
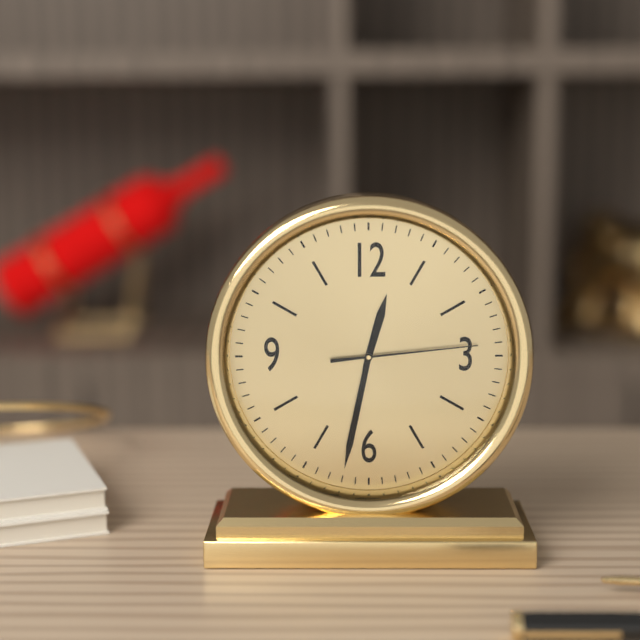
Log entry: {"hour": 12, "minute": 32, "second": 14}
